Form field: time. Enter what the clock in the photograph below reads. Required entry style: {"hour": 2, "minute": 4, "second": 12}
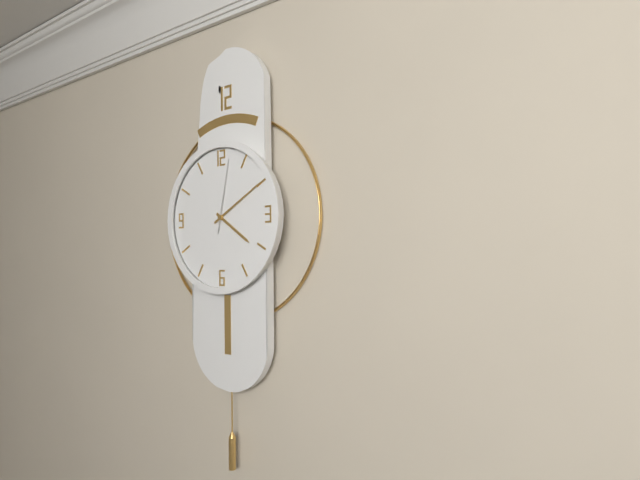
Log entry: {"hour": 4, "minute": 10, "second": 2}
